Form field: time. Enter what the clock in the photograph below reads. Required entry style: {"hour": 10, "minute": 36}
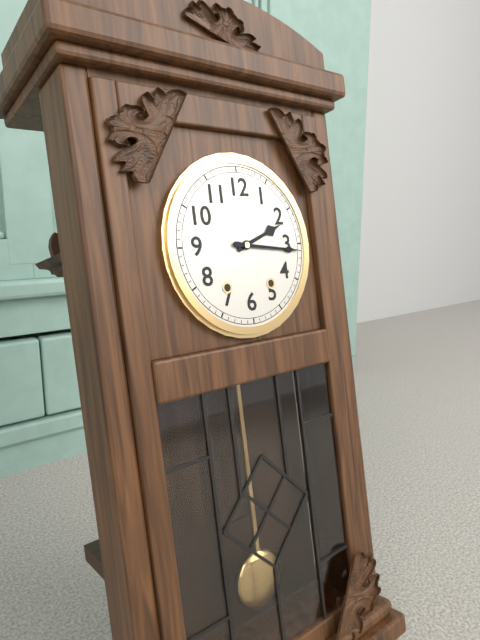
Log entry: {"hour": 2, "minute": 16}
